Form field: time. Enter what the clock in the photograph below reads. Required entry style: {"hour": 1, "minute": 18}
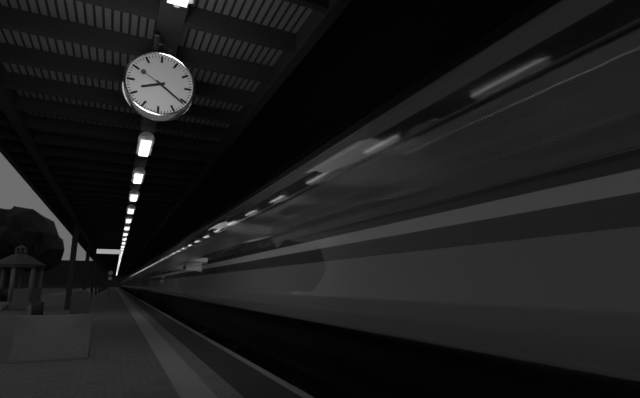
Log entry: {"hour": 8, "minute": 21}
